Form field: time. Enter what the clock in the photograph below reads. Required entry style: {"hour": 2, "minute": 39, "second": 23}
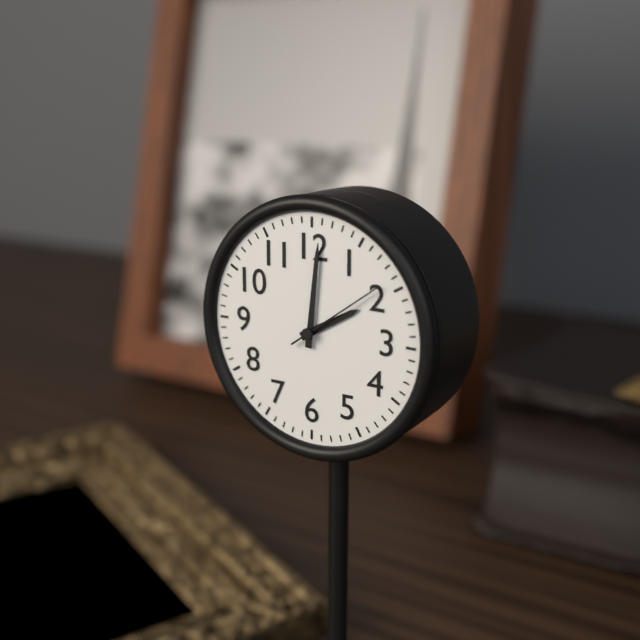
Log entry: {"hour": 2, "minute": 1, "second": 9}
